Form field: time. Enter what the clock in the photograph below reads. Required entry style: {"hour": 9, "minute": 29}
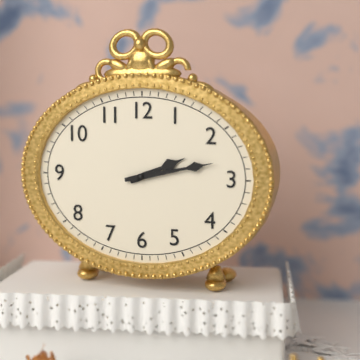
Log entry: {"hour": 2, "minute": 13}
